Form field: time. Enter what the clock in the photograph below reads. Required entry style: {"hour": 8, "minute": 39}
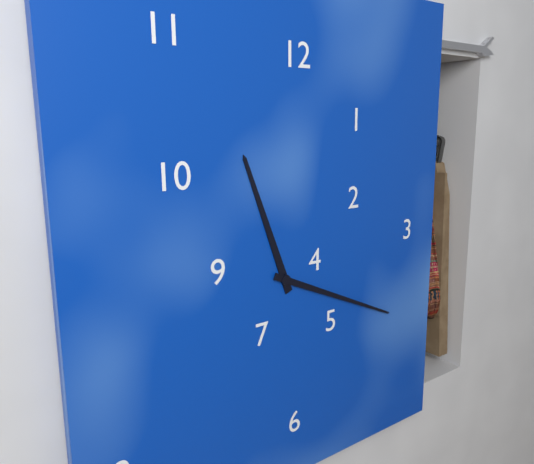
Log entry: {"hour": 11, "minute": 19}
